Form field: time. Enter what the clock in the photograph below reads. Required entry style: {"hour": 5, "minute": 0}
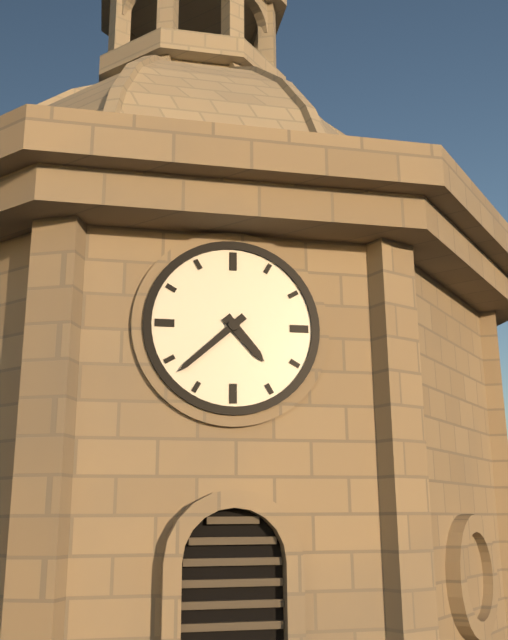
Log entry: {"hour": 4, "minute": 38}
